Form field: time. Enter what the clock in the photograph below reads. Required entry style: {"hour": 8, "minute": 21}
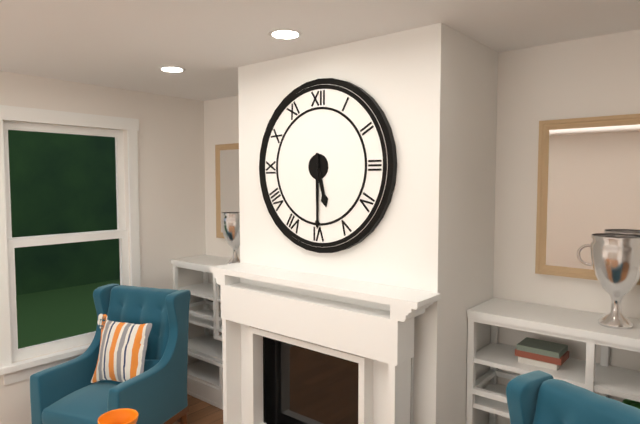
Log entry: {"hour": 5, "minute": 30}
